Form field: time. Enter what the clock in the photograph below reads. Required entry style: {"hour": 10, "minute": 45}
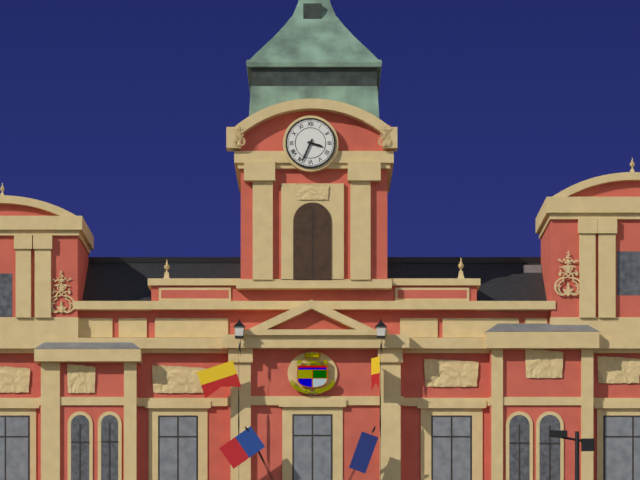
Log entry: {"hour": 3, "minute": 34}
